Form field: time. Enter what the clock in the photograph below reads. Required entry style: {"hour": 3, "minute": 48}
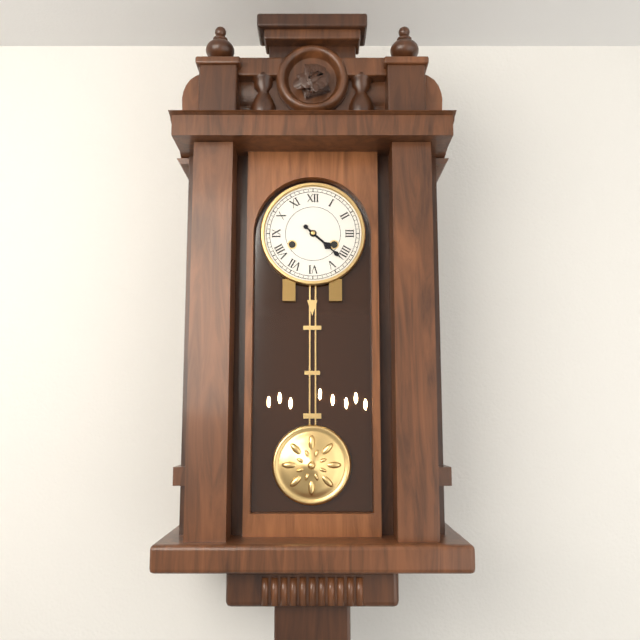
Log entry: {"hour": 4, "minute": 22}
